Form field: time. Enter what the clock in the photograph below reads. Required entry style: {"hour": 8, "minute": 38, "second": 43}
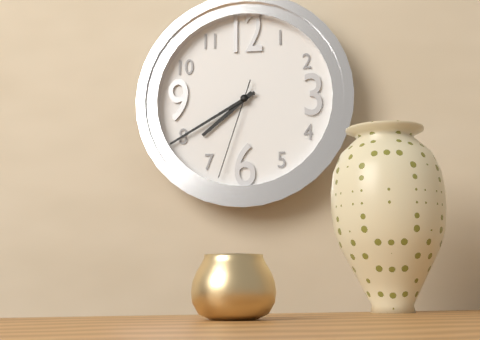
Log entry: {"hour": 7, "minute": 40, "second": 33}
